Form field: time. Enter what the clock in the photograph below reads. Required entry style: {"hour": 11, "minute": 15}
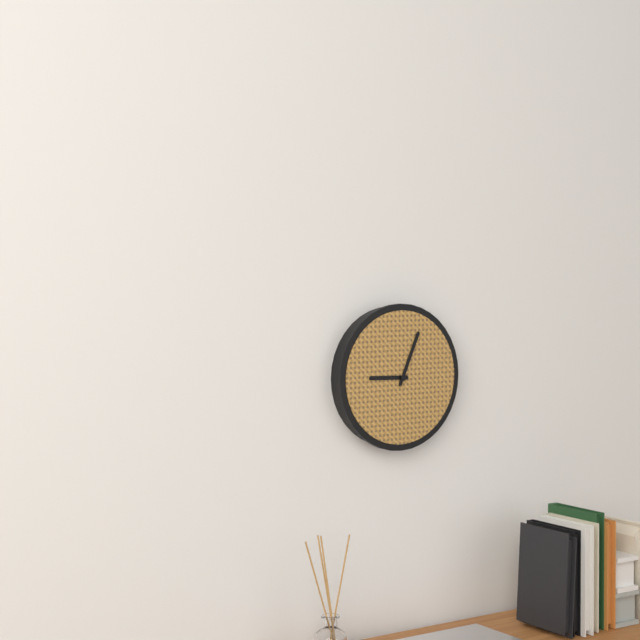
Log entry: {"hour": 9, "minute": 4}
